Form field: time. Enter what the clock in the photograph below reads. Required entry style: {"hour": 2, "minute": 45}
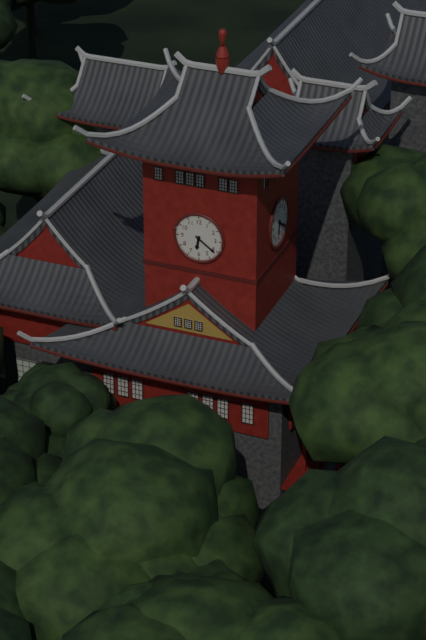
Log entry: {"hour": 6, "minute": 21}
